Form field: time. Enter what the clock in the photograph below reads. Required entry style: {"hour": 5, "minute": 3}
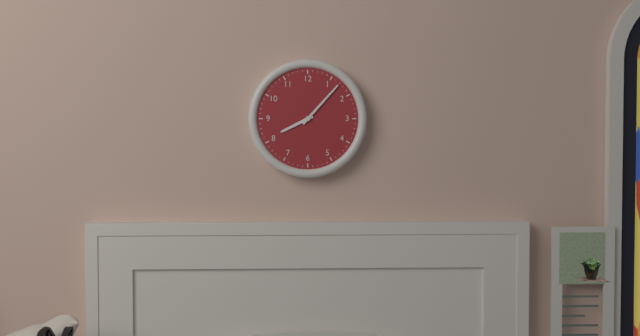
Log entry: {"hour": 8, "minute": 7}
